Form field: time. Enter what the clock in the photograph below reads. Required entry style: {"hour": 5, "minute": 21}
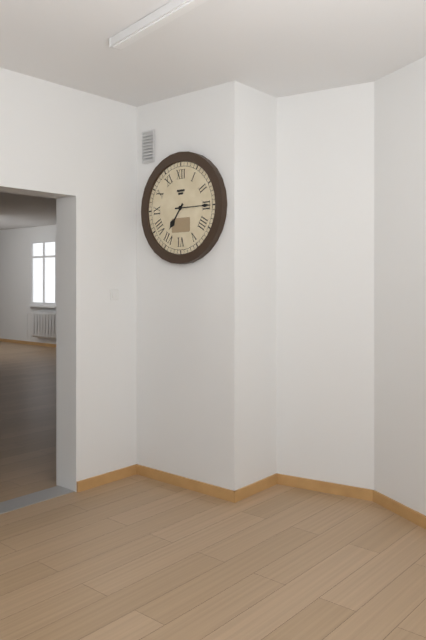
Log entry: {"hour": 7, "minute": 15}
